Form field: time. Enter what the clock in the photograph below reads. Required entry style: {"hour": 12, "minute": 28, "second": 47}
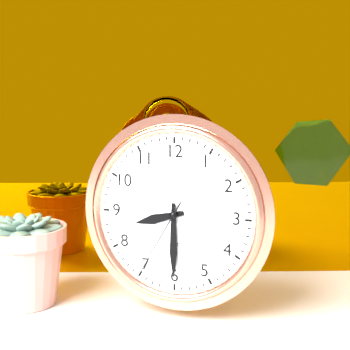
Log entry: {"hour": 8, "minute": 30, "second": 35}
